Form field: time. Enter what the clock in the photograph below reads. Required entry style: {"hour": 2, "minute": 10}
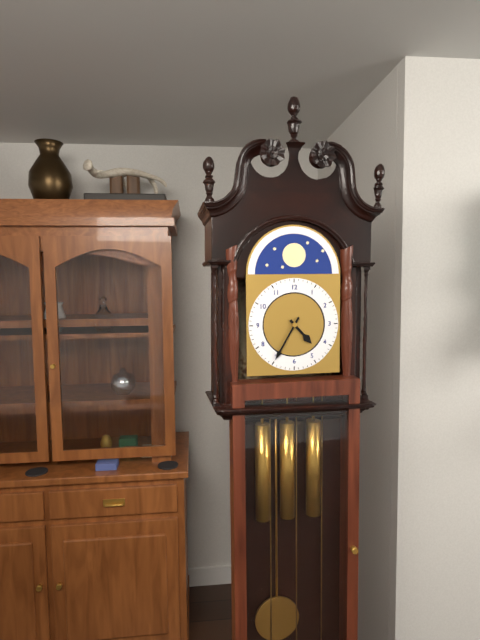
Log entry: {"hour": 4, "minute": 35}
